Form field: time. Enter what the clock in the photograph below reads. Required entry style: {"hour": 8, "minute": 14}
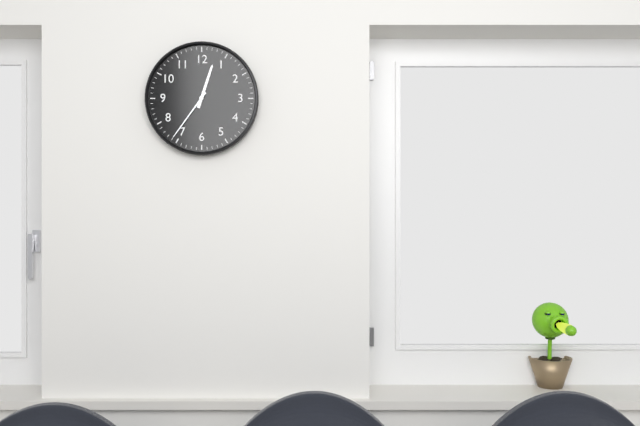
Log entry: {"hour": 12, "minute": 36}
